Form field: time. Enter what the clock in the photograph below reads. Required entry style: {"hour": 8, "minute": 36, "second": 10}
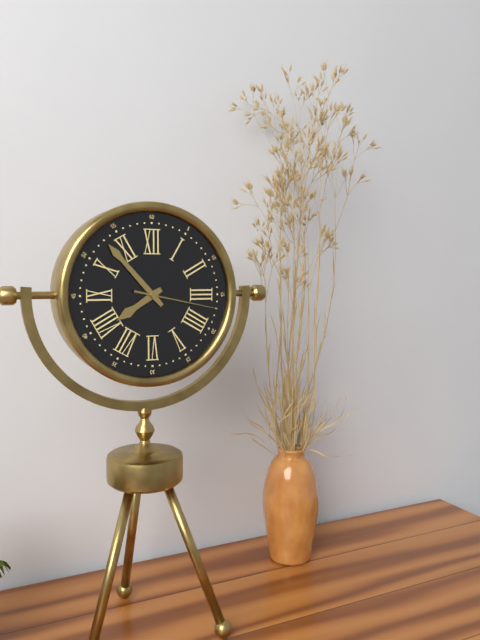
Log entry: {"hour": 7, "minute": 53, "second": 17}
